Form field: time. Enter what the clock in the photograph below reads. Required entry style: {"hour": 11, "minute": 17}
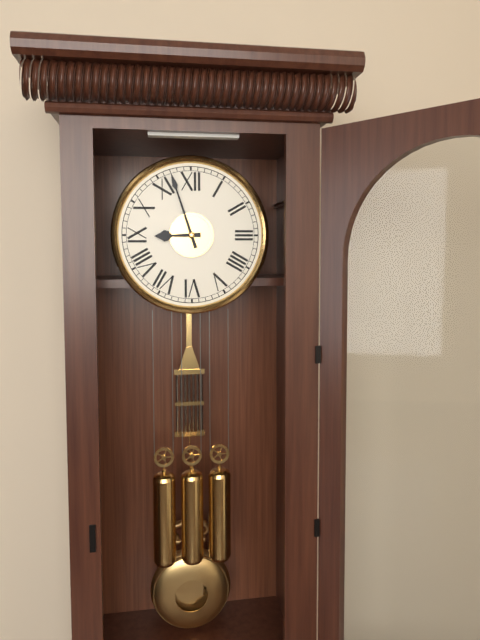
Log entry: {"hour": 8, "minute": 57}
